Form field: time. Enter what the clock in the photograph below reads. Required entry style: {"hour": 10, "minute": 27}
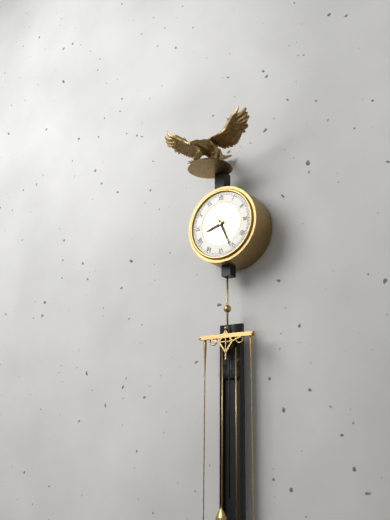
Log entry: {"hour": 8, "minute": 26}
